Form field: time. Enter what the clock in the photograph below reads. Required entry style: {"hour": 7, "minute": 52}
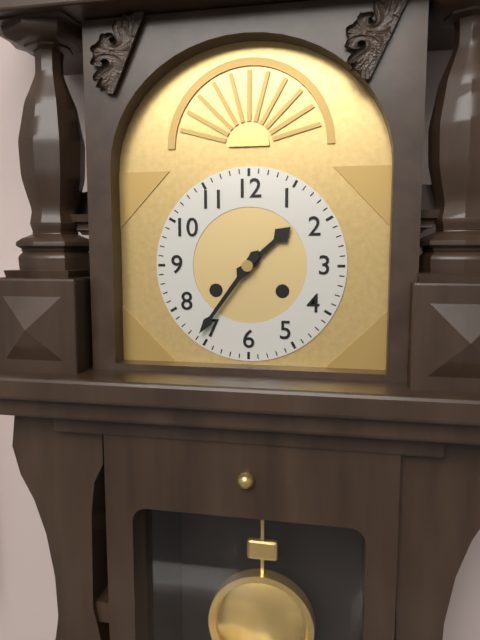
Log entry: {"hour": 1, "minute": 36}
